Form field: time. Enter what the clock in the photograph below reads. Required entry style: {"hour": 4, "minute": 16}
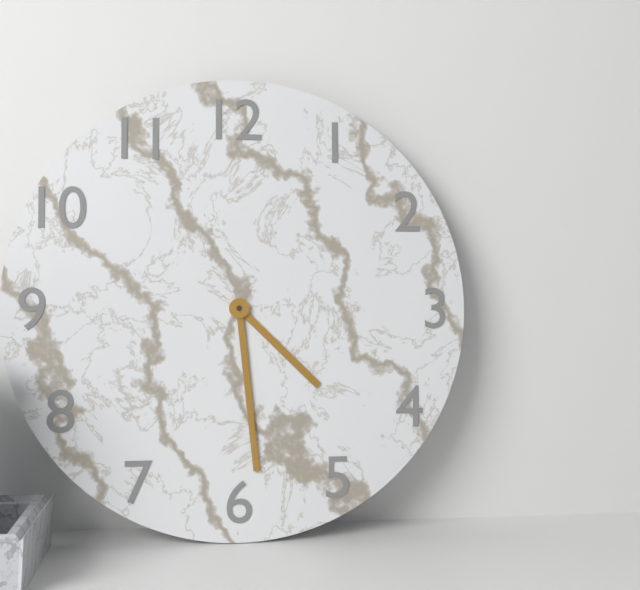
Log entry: {"hour": 4, "minute": 29}
